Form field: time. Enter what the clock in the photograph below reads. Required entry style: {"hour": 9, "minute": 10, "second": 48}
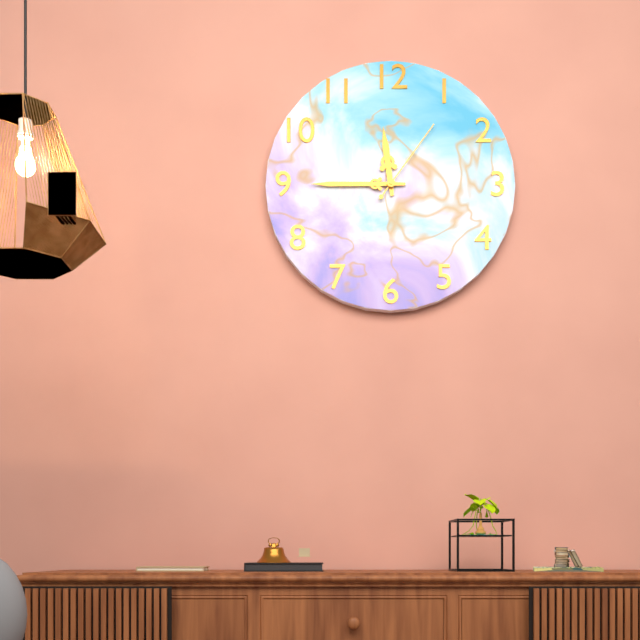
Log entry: {"hour": 11, "minute": 45, "second": 6}
